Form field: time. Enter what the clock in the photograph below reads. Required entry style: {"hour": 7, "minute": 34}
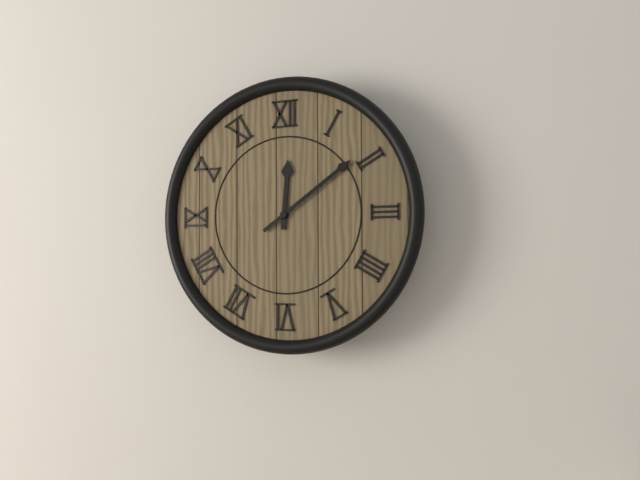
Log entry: {"hour": 12, "minute": 9}
